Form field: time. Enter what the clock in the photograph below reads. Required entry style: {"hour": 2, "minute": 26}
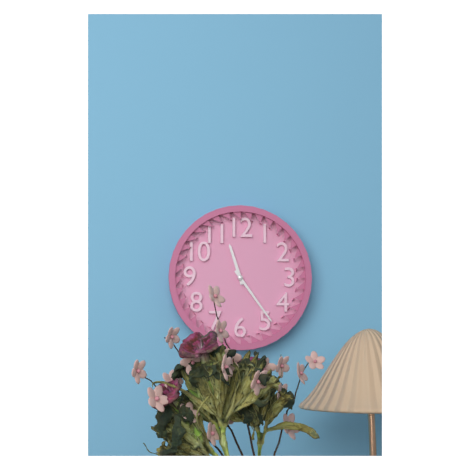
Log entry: {"hour": 11, "minute": 24}
